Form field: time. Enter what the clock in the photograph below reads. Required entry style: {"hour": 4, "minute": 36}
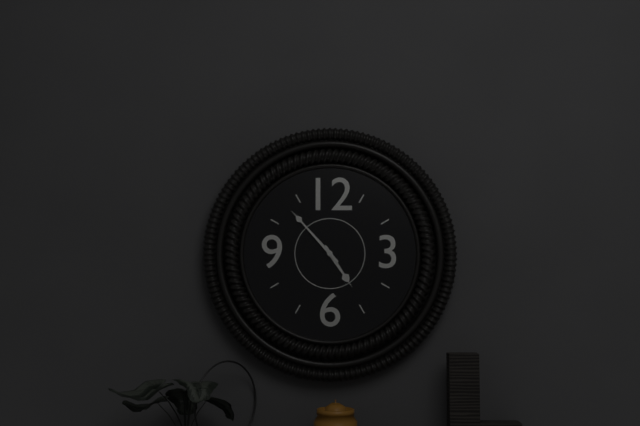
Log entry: {"hour": 4, "minute": 53}
